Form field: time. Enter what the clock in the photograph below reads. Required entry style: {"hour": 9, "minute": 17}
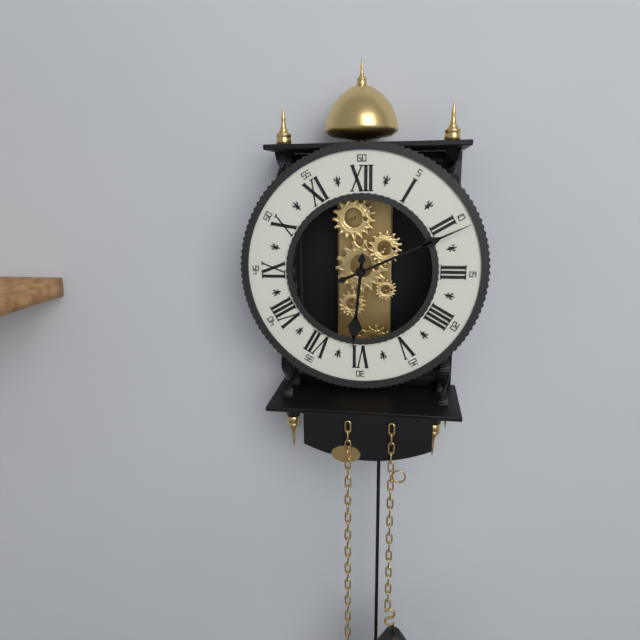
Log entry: {"hour": 6, "minute": 11}
